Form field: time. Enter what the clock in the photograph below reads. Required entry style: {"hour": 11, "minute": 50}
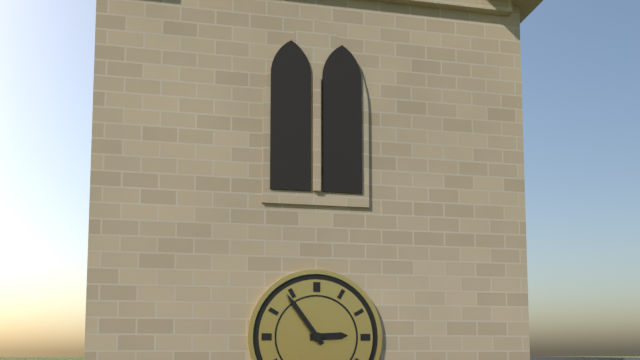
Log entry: {"hour": 2, "minute": 54}
